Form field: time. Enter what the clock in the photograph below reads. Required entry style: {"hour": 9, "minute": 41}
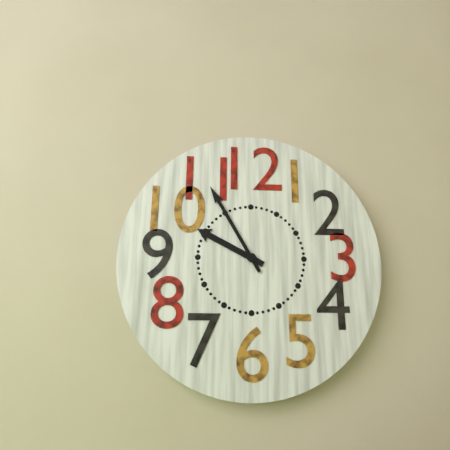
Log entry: {"hour": 9, "minute": 55}
